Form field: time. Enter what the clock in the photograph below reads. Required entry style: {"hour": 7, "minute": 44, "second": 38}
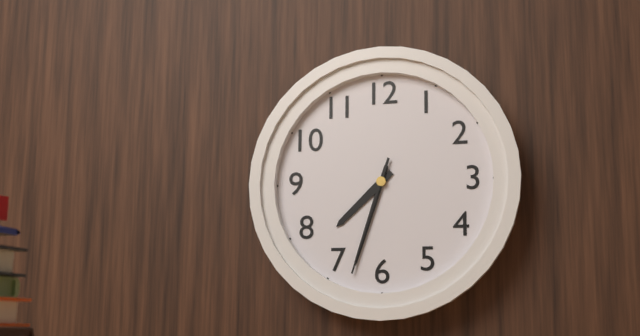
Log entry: {"hour": 7, "minute": 33, "second": 33}
